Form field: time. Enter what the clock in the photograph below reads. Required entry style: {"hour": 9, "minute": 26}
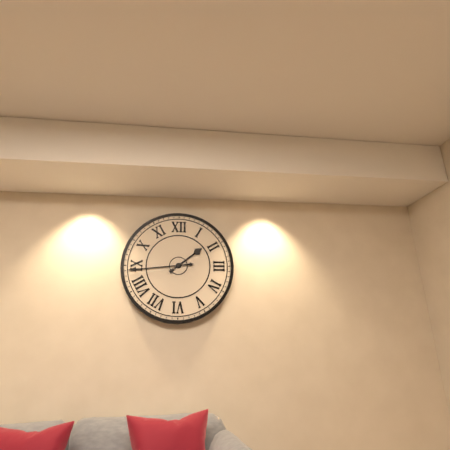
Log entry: {"hour": 1, "minute": 44}
